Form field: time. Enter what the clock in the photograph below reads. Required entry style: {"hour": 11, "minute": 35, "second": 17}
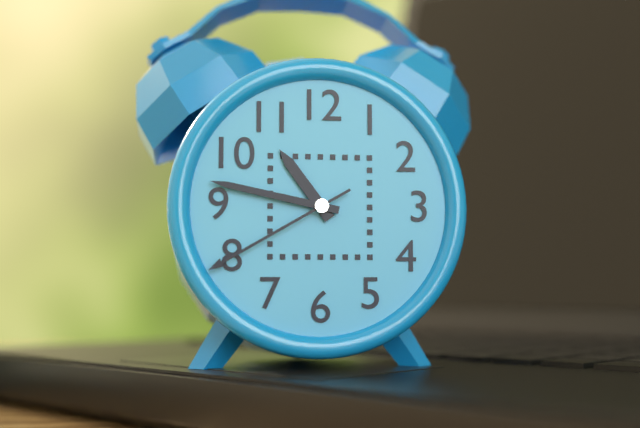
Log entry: {"hour": 10, "minute": 47, "second": 40}
